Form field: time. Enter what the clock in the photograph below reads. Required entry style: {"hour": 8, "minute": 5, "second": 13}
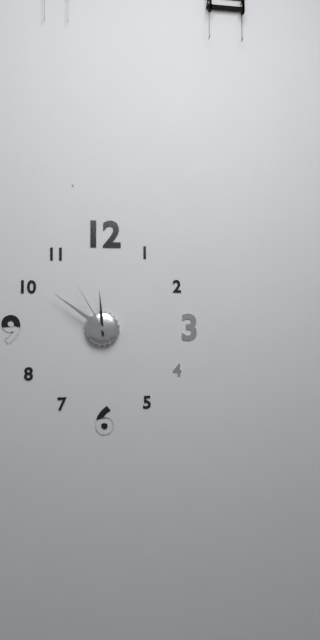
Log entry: {"hour": 11, "minute": 51, "second": 55}
